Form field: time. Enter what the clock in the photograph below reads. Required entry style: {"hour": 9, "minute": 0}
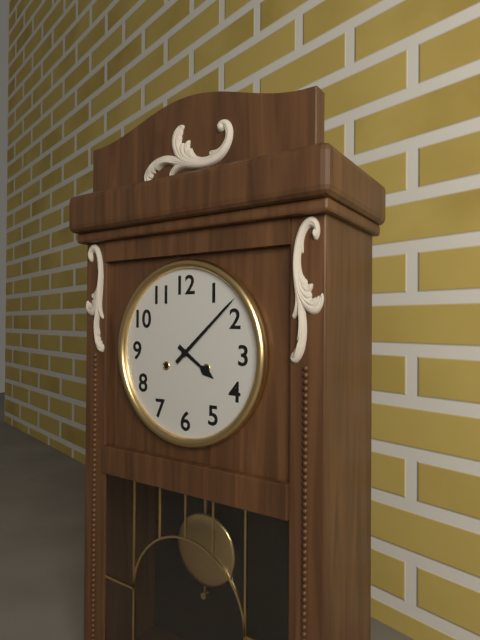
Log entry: {"hour": 4, "minute": 8}
